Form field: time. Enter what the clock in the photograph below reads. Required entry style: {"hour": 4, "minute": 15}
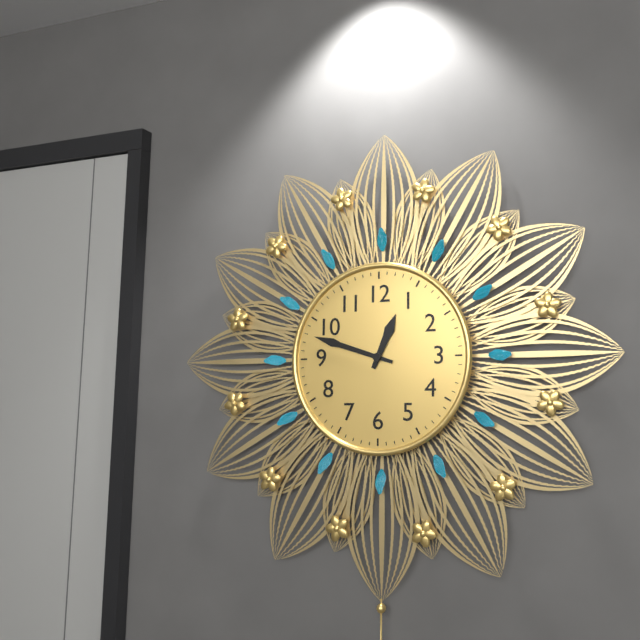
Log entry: {"hour": 12, "minute": 48}
